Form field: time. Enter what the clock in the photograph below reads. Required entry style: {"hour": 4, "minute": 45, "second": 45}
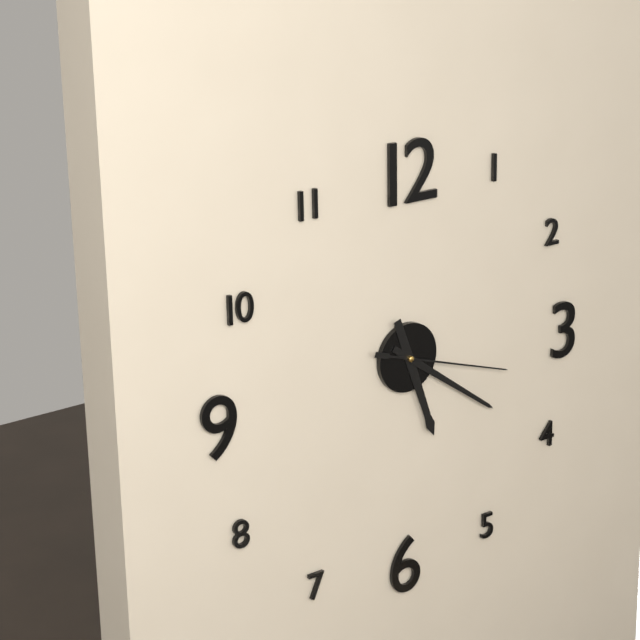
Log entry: {"hour": 5, "minute": 21, "second": 18}
